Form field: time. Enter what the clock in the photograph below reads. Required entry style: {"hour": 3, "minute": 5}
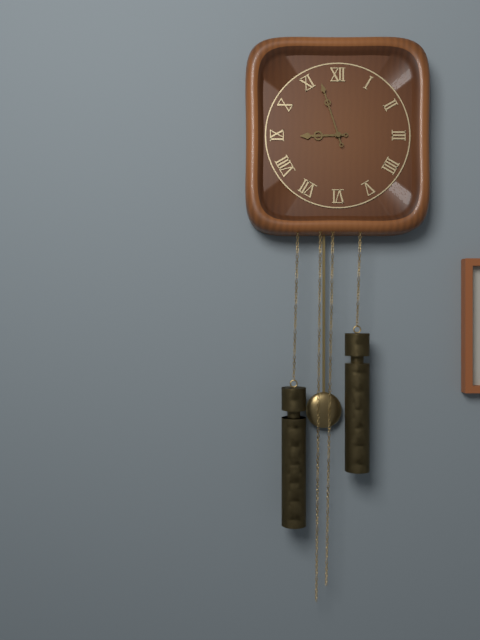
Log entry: {"hour": 8, "minute": 57}
